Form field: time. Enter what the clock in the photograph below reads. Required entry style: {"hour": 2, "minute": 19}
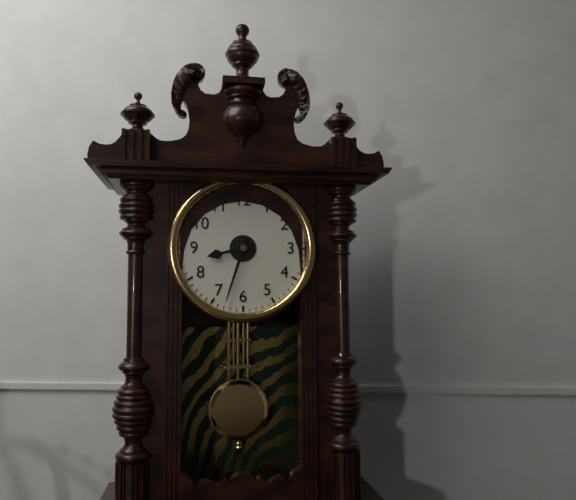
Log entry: {"hour": 8, "minute": 33}
